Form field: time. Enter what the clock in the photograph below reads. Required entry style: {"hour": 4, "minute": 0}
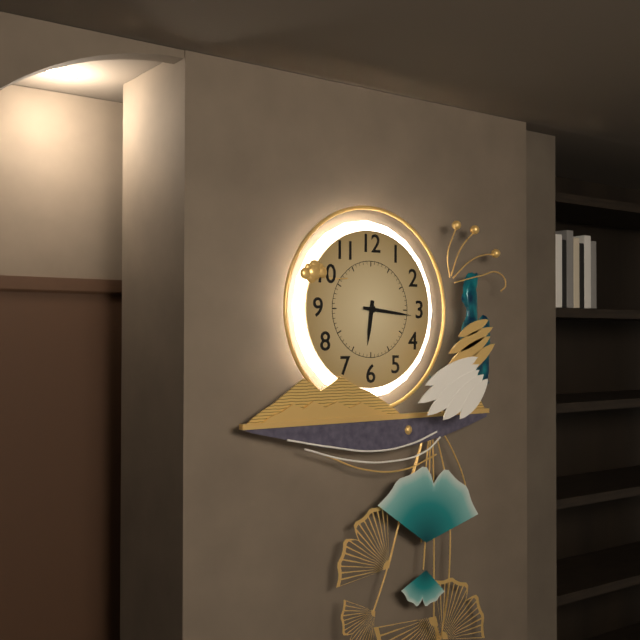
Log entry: {"hour": 6, "minute": 16}
